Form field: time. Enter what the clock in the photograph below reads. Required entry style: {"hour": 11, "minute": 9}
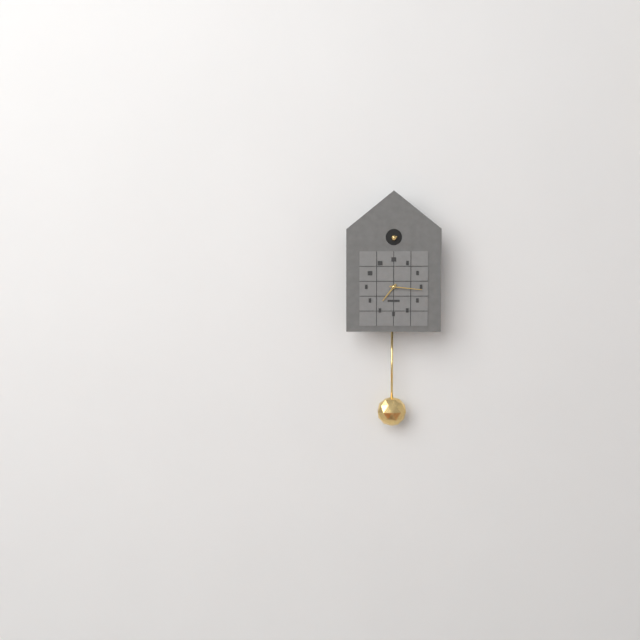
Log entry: {"hour": 7, "minute": 16}
